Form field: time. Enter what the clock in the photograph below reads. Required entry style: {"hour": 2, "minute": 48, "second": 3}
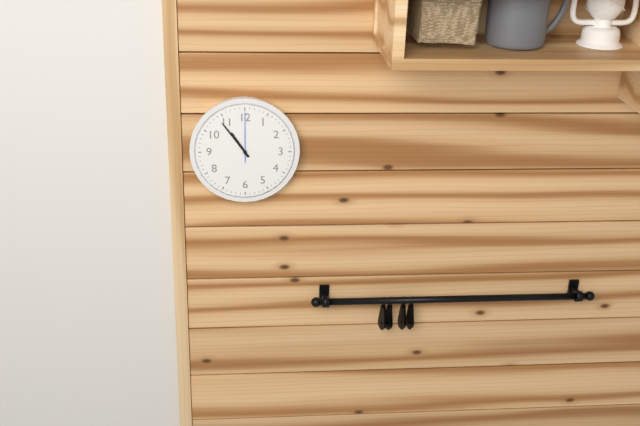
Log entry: {"hour": 10, "minute": 54, "second": 0}
